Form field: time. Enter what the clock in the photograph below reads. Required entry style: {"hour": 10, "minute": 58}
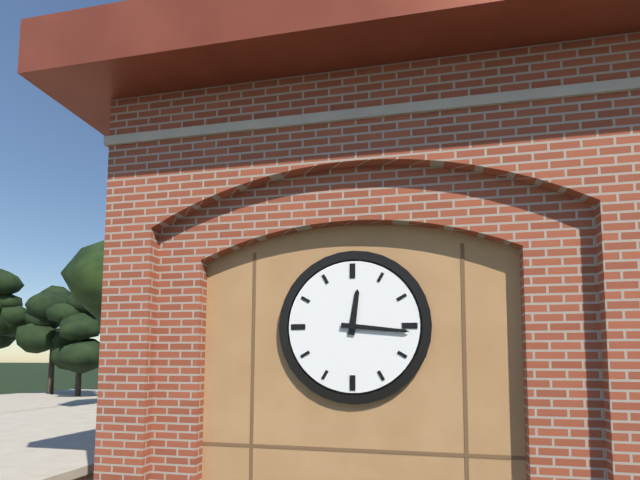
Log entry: {"hour": 12, "minute": 16}
